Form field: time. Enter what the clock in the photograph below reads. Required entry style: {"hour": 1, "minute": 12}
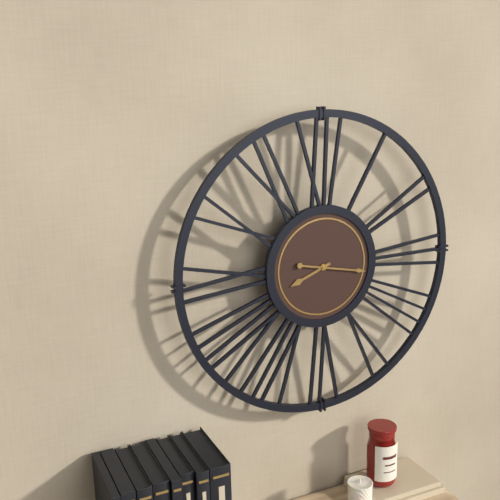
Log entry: {"hour": 8, "minute": 17}
